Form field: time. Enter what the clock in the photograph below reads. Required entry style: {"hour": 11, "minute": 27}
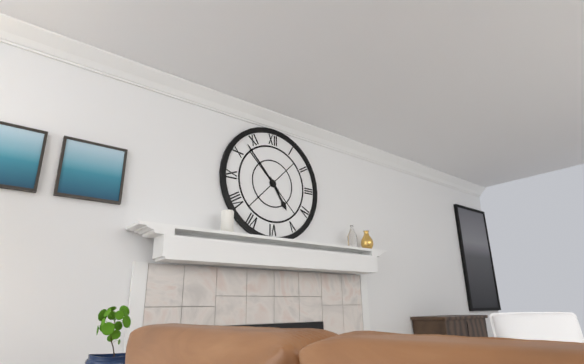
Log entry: {"hour": 4, "minute": 53}
